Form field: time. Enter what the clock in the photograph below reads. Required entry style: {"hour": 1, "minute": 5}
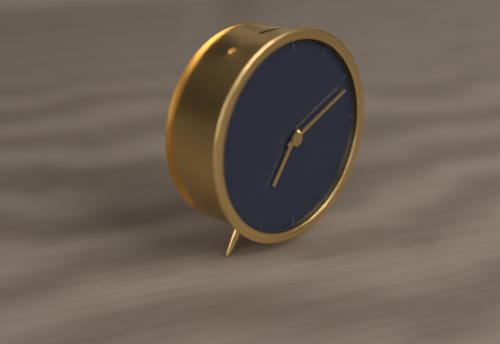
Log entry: {"hour": 7, "minute": 11}
